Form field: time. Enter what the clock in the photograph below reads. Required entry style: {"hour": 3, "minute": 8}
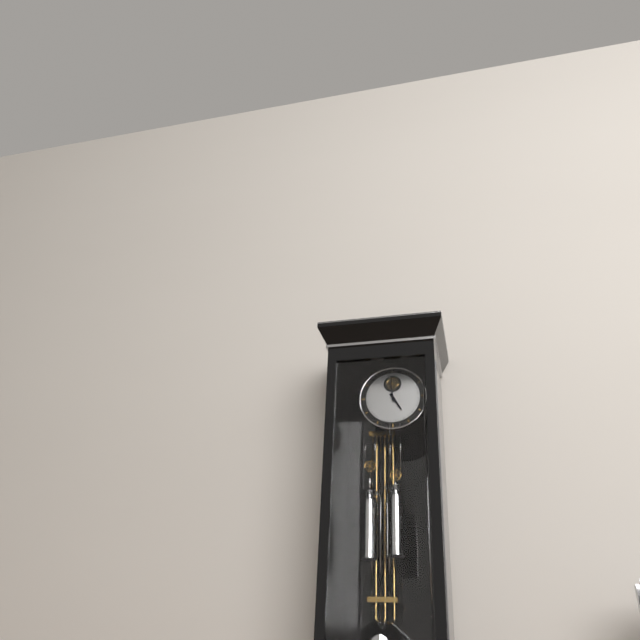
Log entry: {"hour": 4, "minute": 59}
